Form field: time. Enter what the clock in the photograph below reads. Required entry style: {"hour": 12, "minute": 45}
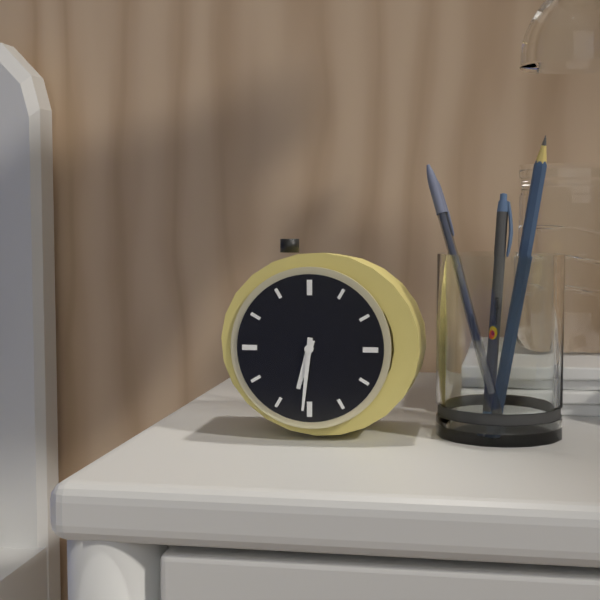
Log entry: {"hour": 6, "minute": 31}
